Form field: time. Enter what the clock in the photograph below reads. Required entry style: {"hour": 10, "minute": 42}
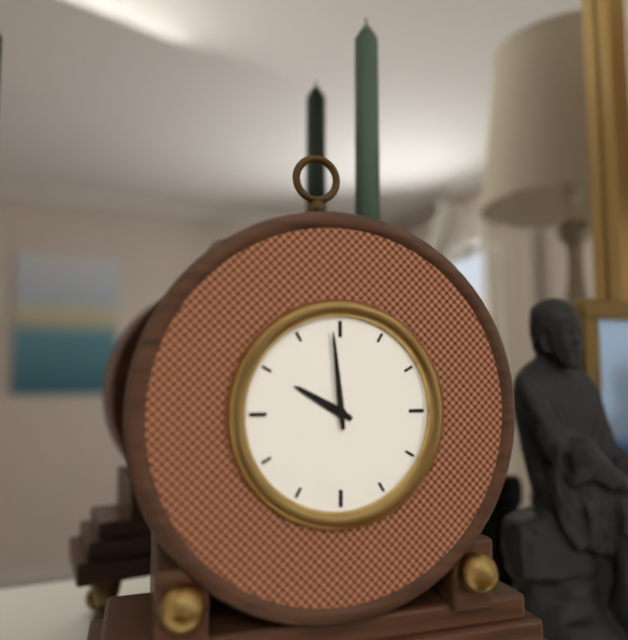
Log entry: {"hour": 9, "minute": 59}
